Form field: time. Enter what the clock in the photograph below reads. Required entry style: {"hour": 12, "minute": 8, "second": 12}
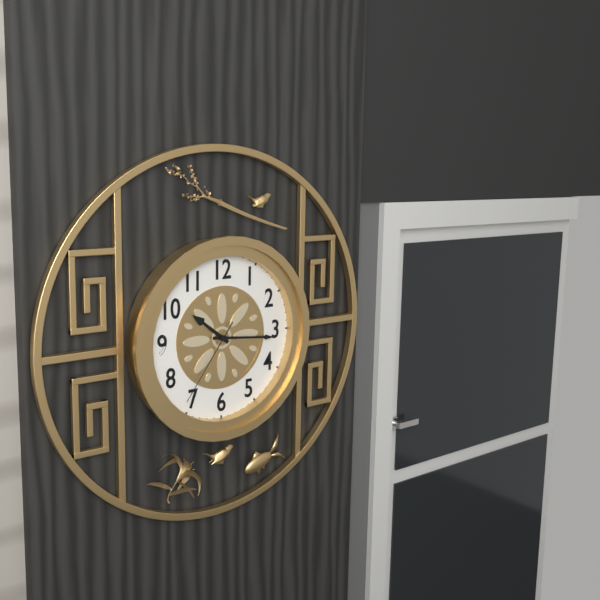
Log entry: {"hour": 10, "minute": 16, "second": 36}
